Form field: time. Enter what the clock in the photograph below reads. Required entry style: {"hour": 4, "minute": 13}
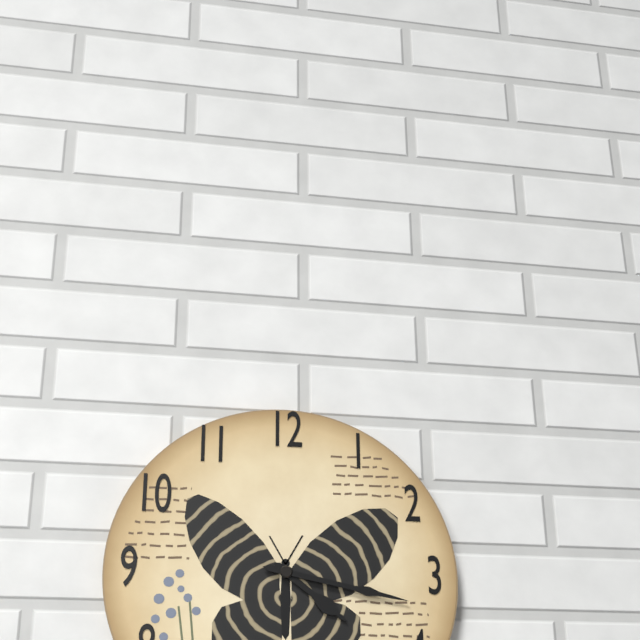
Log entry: {"hour": 4, "minute": 17}
